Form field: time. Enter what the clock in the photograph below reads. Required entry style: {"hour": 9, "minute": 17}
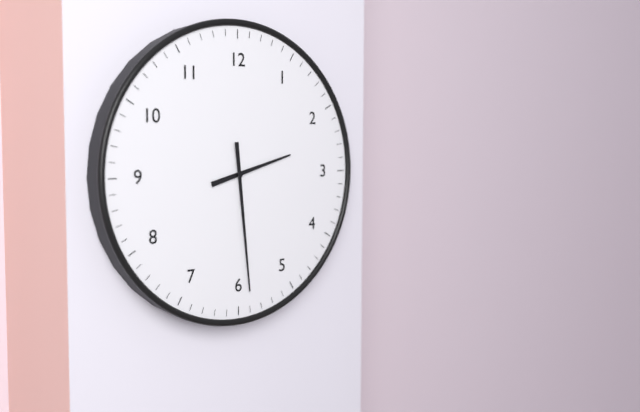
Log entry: {"hour": 2, "minute": 29}
